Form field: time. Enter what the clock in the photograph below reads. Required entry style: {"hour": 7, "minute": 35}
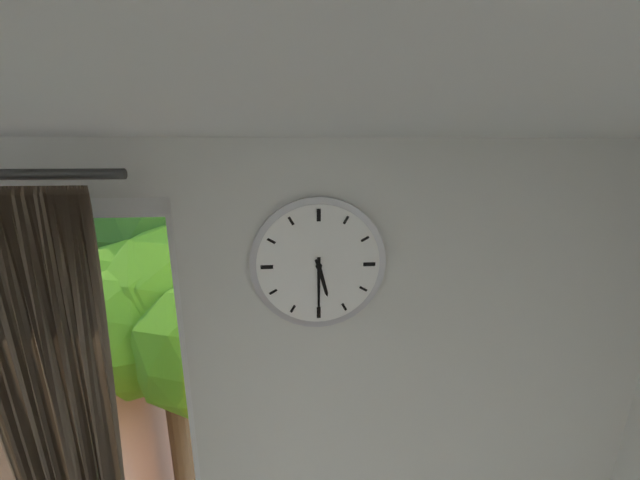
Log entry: {"hour": 5, "minute": 30}
